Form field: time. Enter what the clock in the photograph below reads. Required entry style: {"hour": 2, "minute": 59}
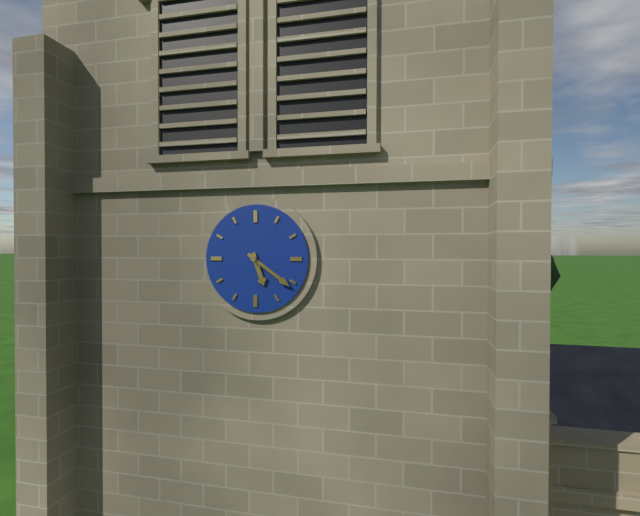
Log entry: {"hour": 5, "minute": 21}
